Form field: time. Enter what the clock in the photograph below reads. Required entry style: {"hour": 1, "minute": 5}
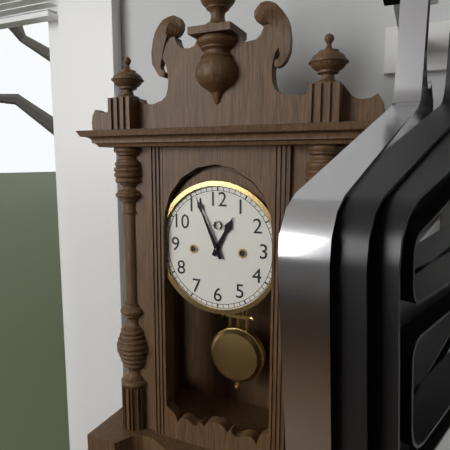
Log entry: {"hour": 12, "minute": 56}
